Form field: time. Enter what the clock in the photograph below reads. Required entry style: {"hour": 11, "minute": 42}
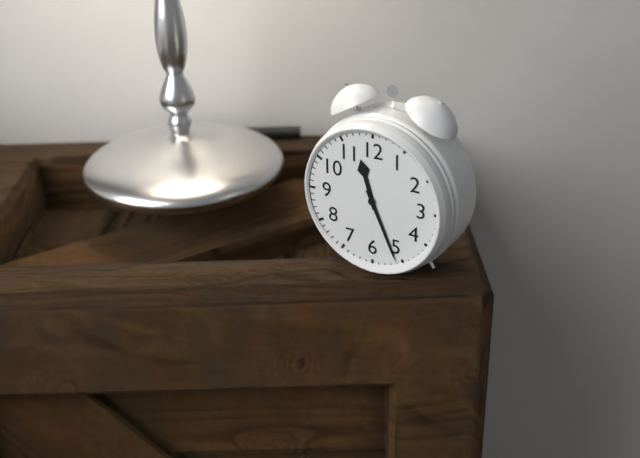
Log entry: {"hour": 11, "minute": 26}
